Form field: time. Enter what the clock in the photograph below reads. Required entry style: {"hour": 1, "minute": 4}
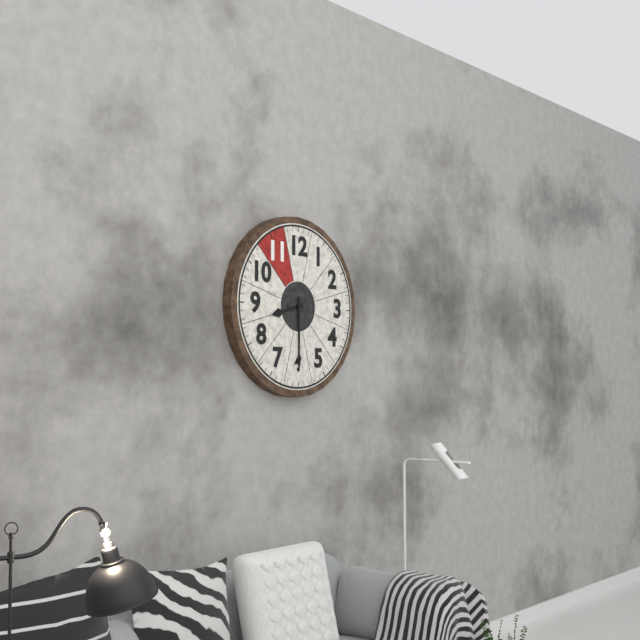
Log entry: {"hour": 8, "minute": 30}
